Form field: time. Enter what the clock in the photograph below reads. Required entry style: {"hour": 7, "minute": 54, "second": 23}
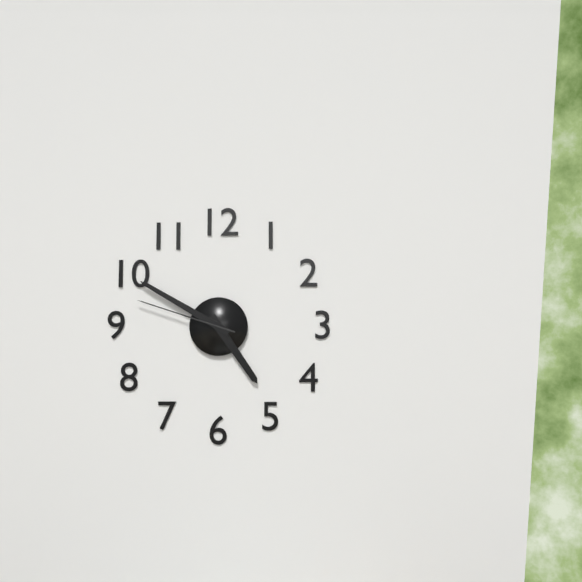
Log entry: {"hour": 4, "minute": 50, "second": 48}
